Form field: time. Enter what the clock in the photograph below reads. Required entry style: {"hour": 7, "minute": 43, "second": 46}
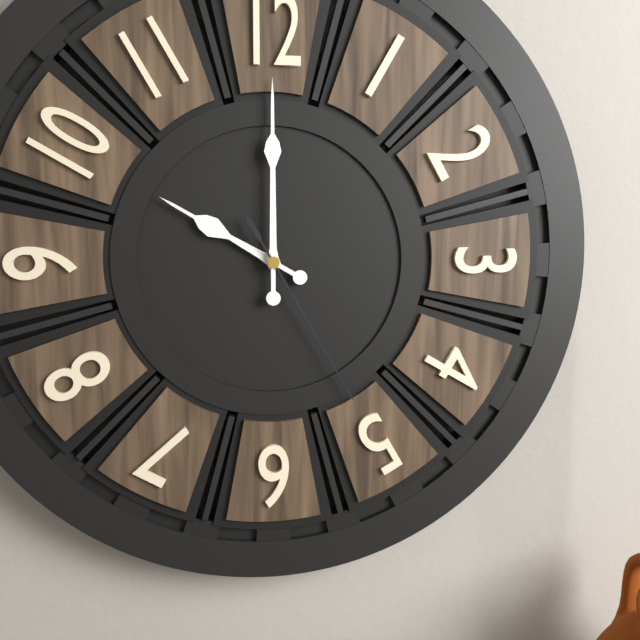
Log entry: {"hour": 10, "minute": 0, "second": 25}
